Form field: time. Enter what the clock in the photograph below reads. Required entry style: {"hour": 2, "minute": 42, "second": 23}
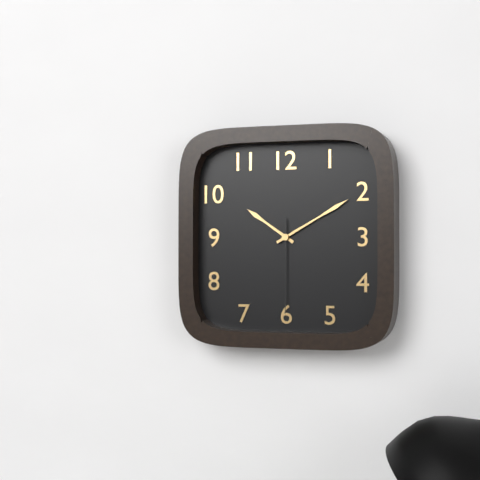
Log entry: {"hour": 10, "minute": 10, "second": 30}
